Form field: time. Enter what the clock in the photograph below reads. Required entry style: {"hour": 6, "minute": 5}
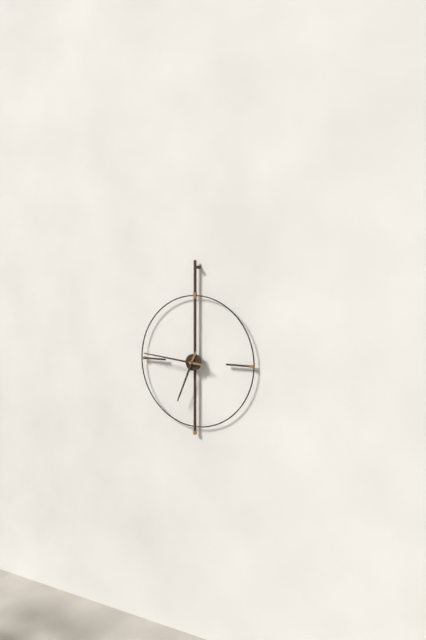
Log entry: {"hour": 6, "minute": 46}
